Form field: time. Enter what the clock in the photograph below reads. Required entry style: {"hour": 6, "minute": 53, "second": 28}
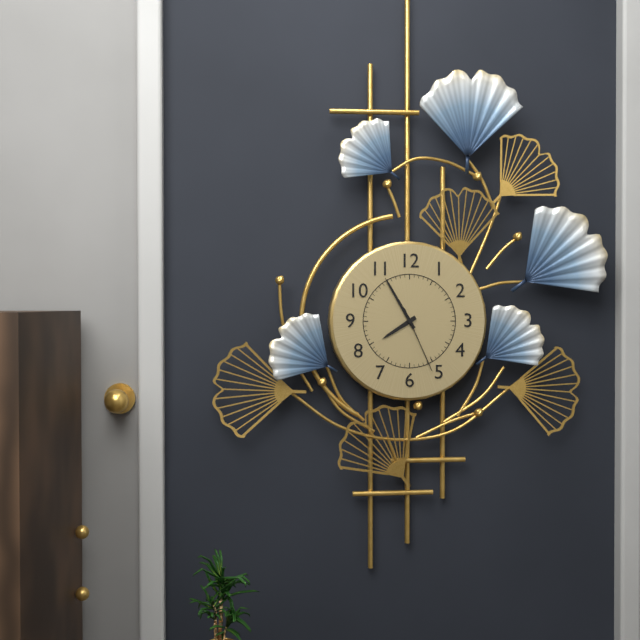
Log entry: {"hour": 7, "minute": 55, "second": 26}
